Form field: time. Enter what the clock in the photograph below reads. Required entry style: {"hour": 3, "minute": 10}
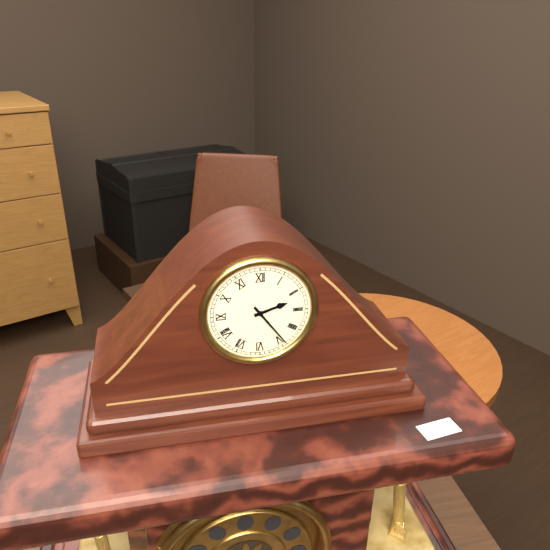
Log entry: {"hour": 2, "minute": 24}
